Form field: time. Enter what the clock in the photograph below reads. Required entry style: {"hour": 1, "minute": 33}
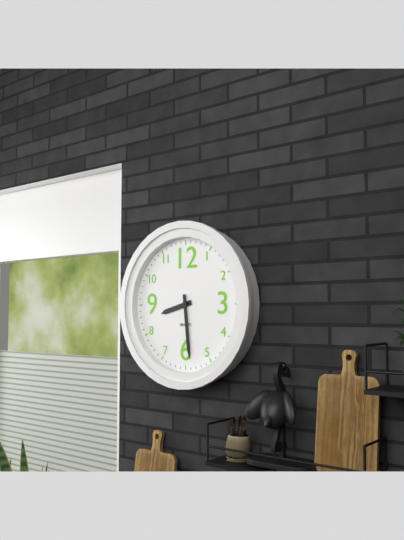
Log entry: {"hour": 8, "minute": 29}
